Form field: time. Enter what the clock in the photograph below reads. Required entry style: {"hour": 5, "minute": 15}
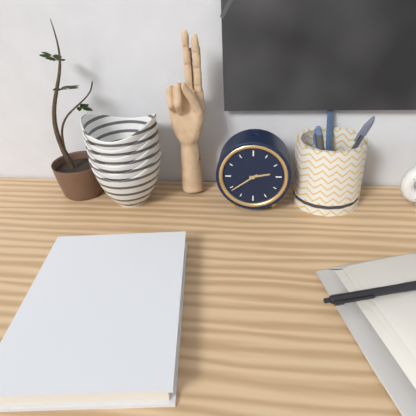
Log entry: {"hour": 2, "minute": 39}
